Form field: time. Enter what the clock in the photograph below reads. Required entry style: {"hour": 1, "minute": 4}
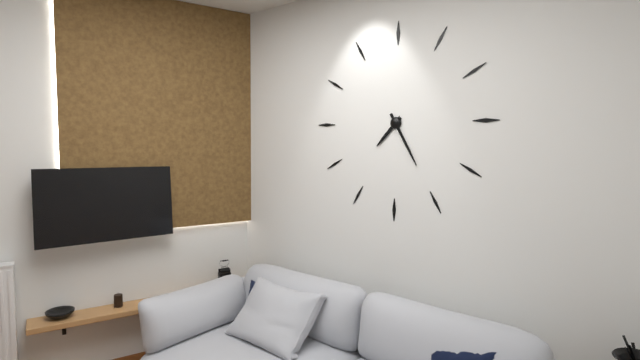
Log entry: {"hour": 7, "minute": 25}
